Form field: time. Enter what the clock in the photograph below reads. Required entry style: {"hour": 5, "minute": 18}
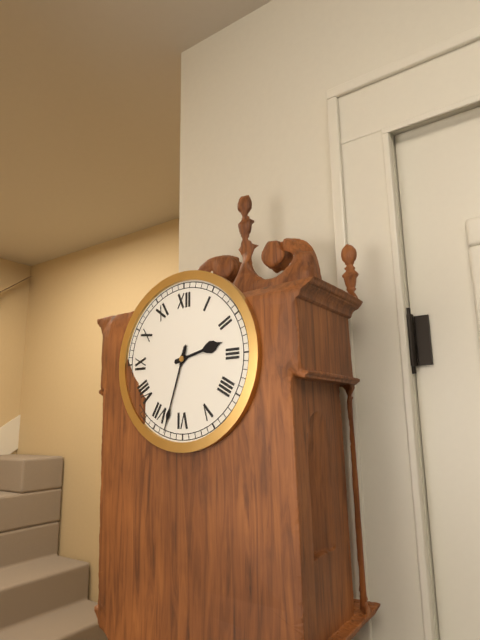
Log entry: {"hour": 2, "minute": 33}
